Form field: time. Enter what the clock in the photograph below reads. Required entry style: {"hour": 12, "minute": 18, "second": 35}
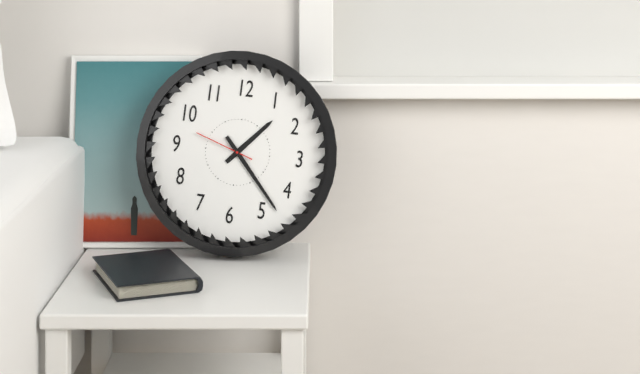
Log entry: {"hour": 1, "minute": 23, "second": 48}
